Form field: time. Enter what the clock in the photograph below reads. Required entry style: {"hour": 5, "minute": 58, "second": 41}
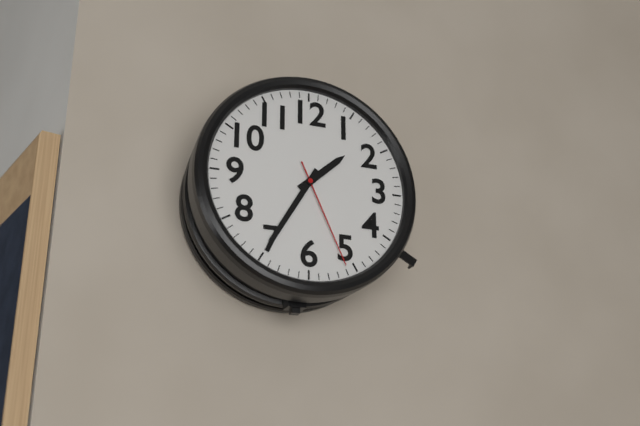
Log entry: {"hour": 1, "minute": 35, "second": 26}
